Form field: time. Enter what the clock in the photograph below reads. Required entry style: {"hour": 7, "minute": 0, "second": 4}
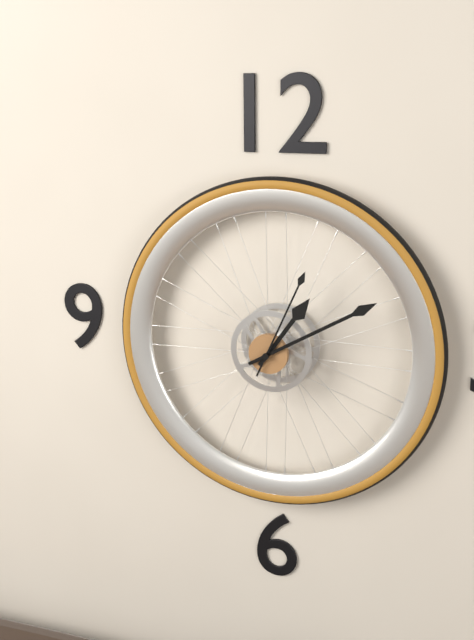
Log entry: {"hour": 1, "minute": 10, "second": 4}
